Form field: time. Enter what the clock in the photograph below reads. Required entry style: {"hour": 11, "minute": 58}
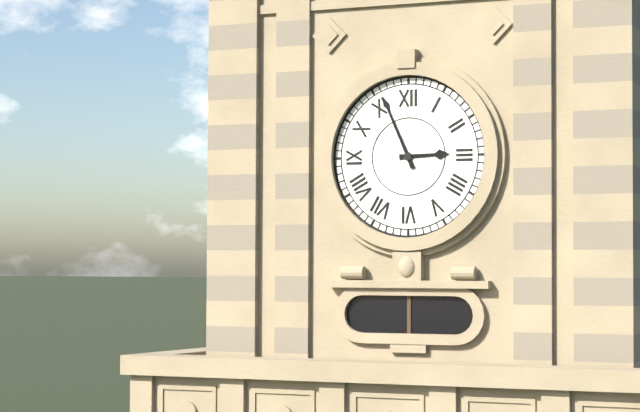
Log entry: {"hour": 2, "minute": 56}
